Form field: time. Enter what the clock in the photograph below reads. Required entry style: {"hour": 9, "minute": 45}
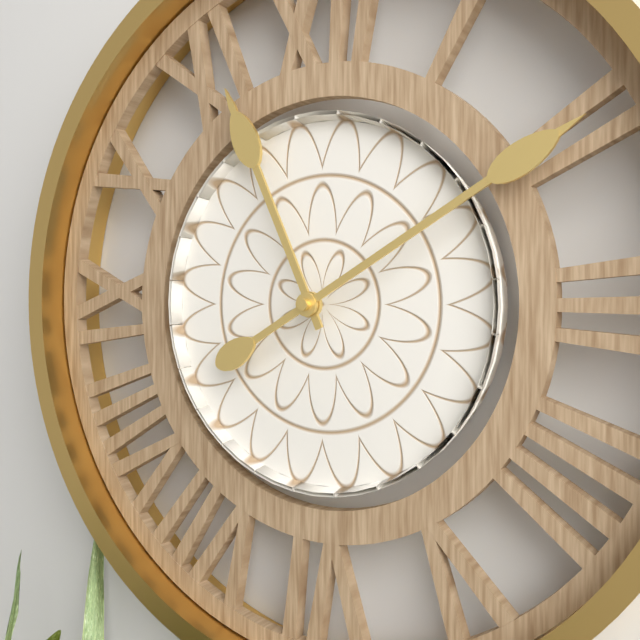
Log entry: {"hour": 11, "minute": 10}
